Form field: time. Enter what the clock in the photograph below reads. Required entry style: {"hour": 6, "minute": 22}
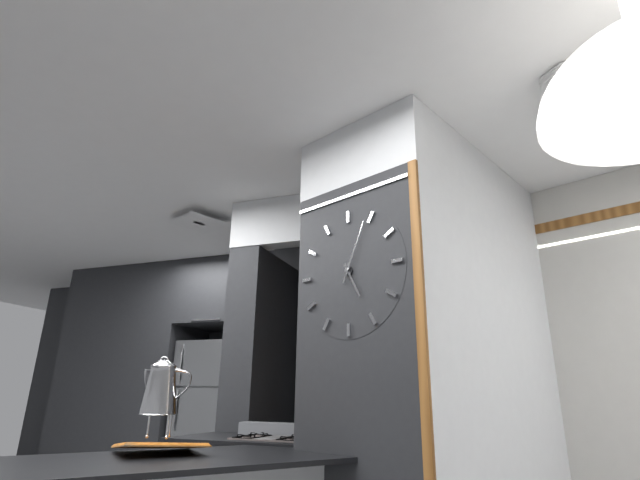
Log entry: {"hour": 5, "minute": 4}
